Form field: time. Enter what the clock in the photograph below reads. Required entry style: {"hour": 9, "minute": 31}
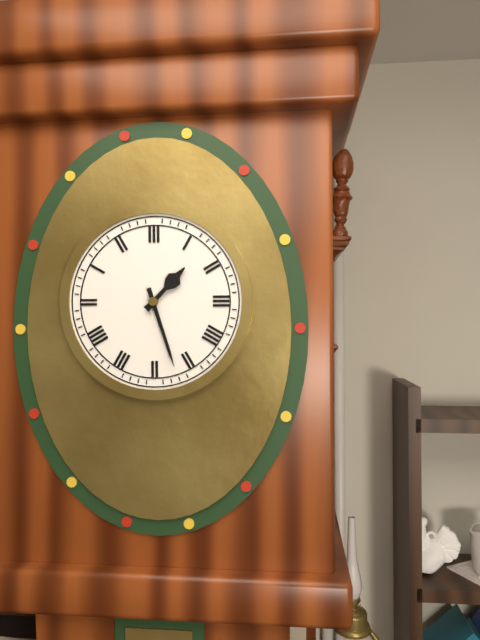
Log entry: {"hour": 1, "minute": 27}
